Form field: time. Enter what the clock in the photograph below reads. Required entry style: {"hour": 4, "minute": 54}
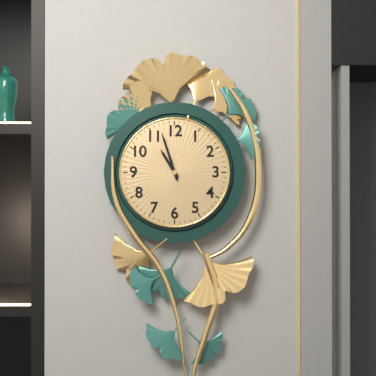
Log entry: {"hour": 10, "minute": 57}
